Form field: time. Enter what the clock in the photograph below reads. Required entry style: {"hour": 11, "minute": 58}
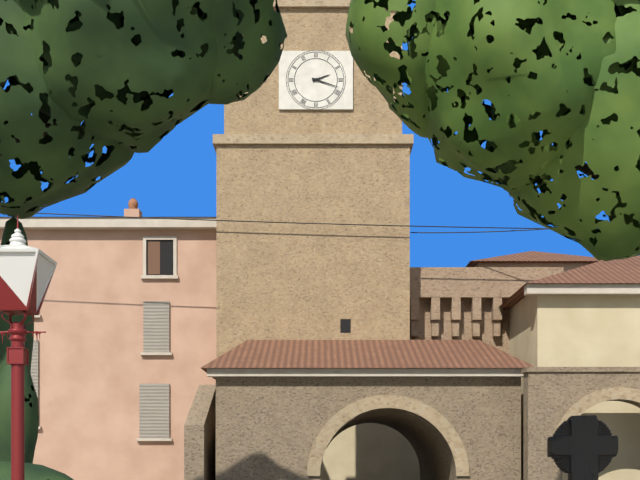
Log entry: {"hour": 2, "minute": 18}
